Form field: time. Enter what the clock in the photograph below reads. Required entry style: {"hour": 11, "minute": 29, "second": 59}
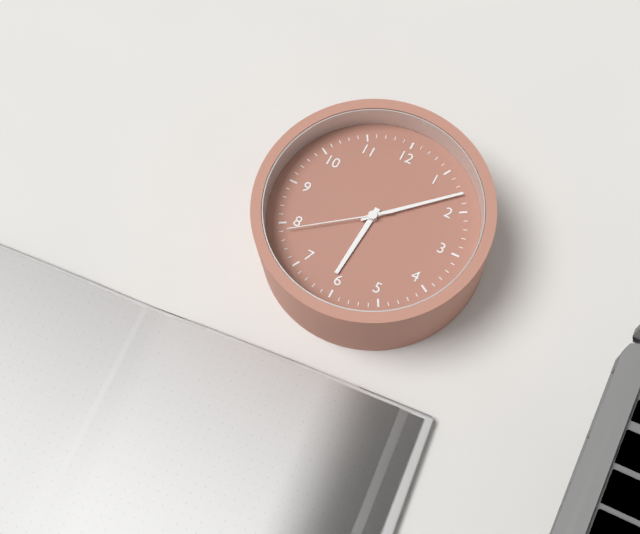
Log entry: {"hour": 6, "minute": 8, "second": 39}
